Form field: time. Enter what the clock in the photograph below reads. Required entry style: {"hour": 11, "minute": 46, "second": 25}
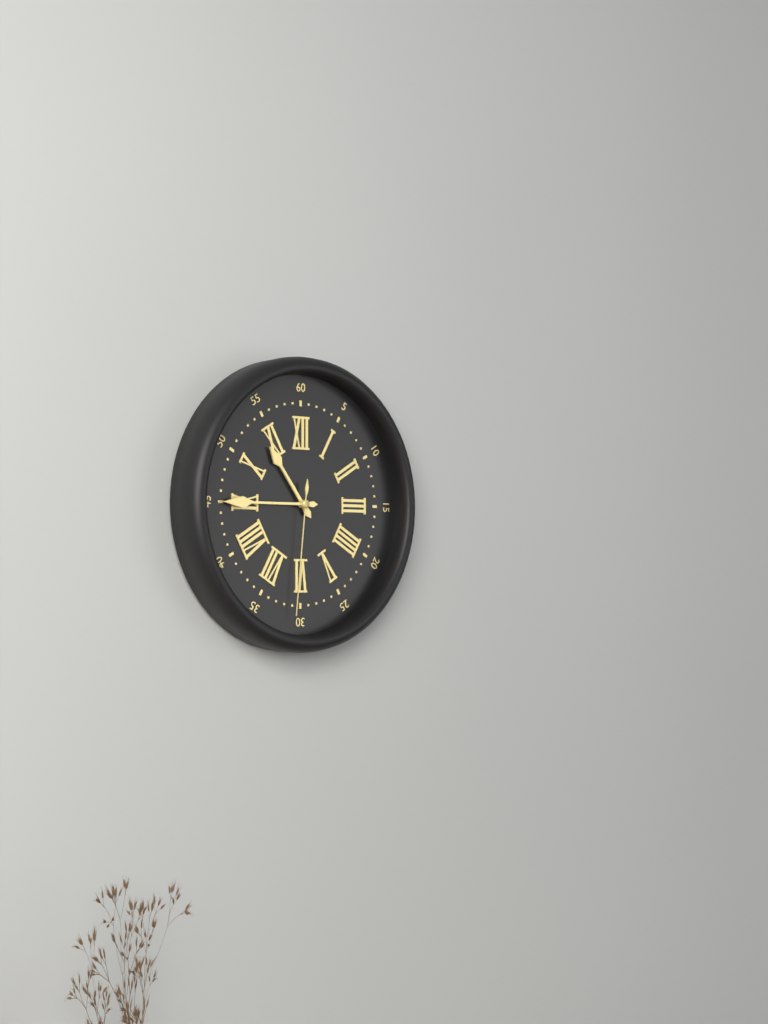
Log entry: {"hour": 10, "minute": 45, "second": 31}
